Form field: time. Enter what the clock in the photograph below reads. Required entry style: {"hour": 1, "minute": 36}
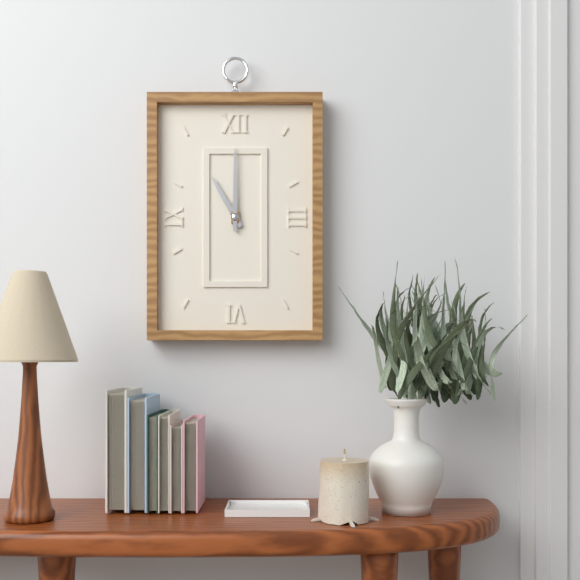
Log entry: {"hour": 11, "minute": 0}
